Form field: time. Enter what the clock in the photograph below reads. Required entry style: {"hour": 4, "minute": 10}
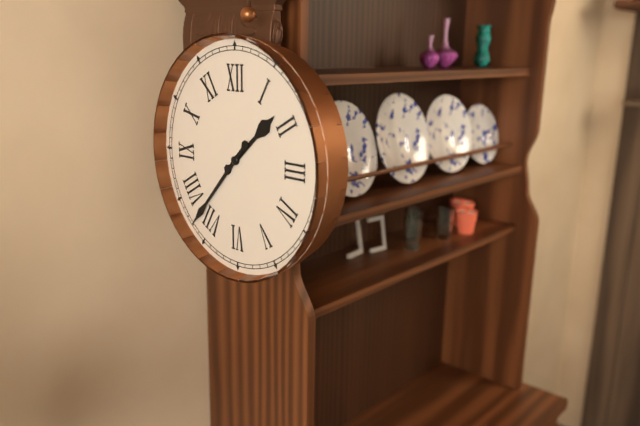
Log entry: {"hour": 1, "minute": 37}
